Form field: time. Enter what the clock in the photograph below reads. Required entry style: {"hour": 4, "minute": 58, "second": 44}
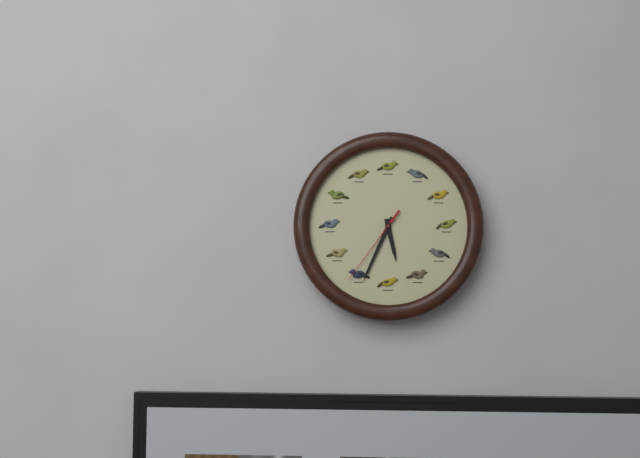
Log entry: {"hour": 5, "minute": 34, "second": 36}
